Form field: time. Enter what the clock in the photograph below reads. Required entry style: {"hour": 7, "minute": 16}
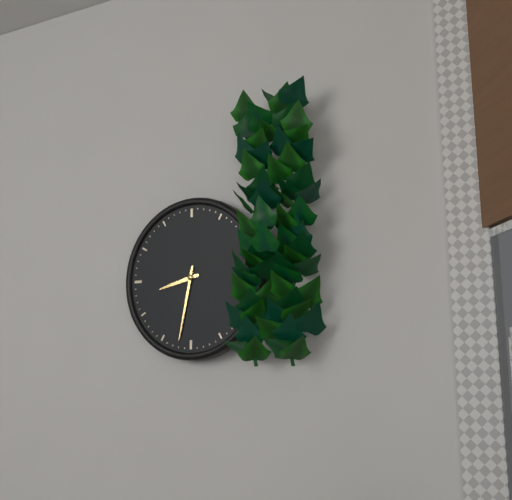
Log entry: {"hour": 8, "minute": 32}
